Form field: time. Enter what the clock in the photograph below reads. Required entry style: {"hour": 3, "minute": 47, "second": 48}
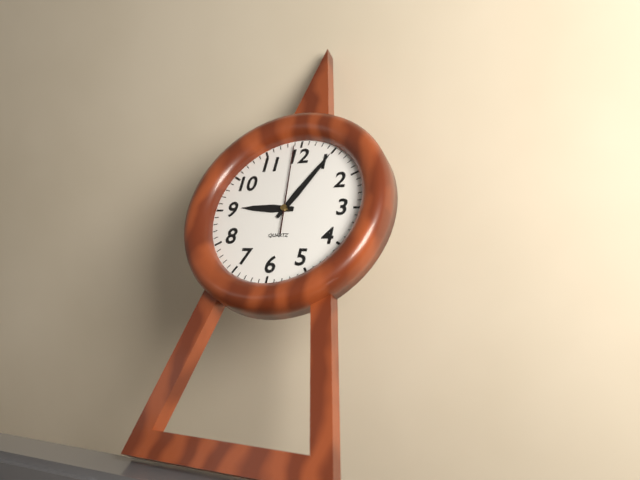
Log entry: {"hour": 9, "minute": 5, "second": 59}
